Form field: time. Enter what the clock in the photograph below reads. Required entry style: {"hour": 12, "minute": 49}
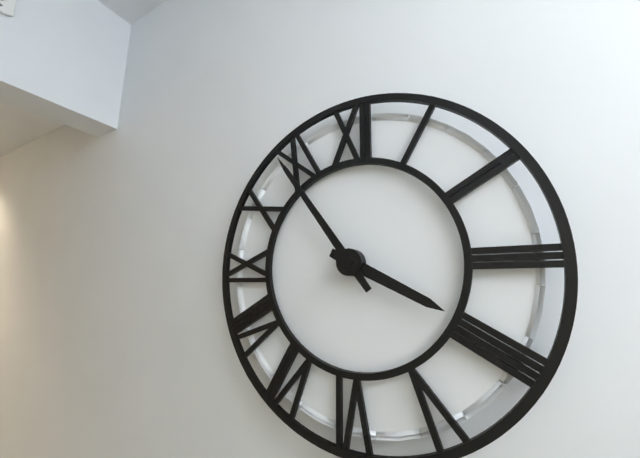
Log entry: {"hour": 3, "minute": 54}
